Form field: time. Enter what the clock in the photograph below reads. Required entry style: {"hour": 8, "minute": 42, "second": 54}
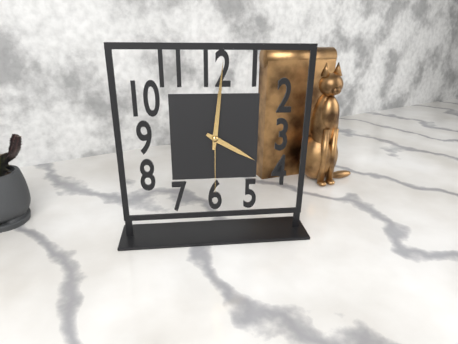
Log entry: {"hour": 4, "minute": 1, "second": 30}
